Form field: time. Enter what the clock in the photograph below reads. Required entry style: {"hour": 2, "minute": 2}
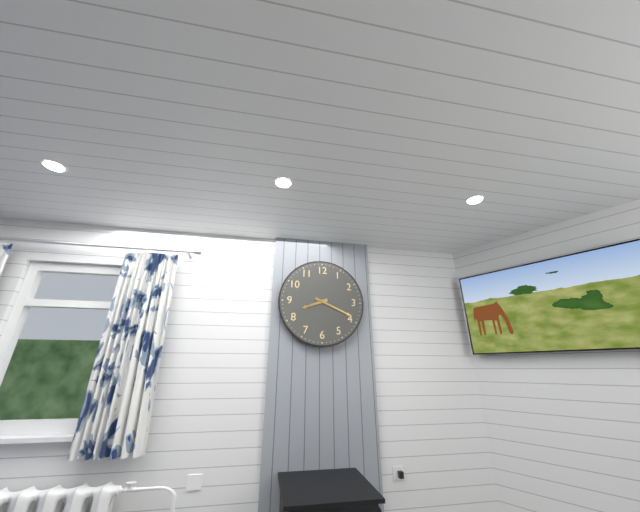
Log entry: {"hour": 8, "minute": 19}
